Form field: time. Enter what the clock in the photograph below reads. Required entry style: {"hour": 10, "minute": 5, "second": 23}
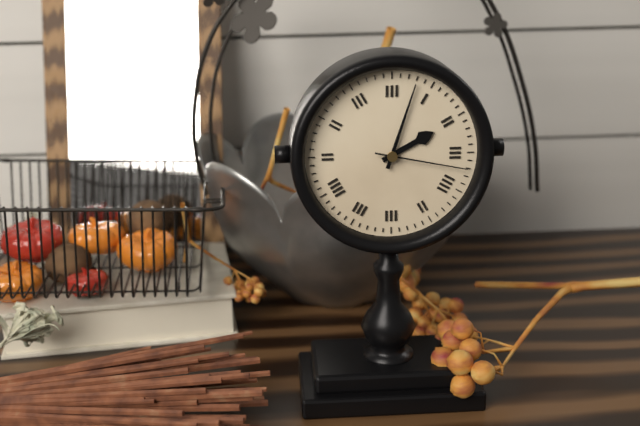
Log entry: {"hour": 2, "minute": 3, "second": 17}
